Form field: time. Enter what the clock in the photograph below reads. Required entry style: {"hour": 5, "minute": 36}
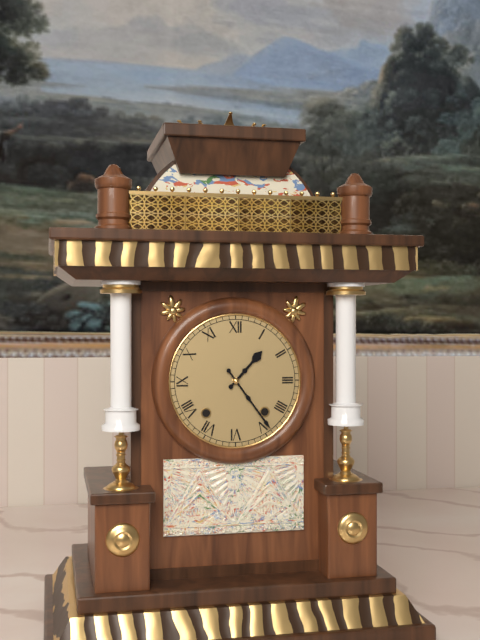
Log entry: {"hour": 1, "minute": 24}
